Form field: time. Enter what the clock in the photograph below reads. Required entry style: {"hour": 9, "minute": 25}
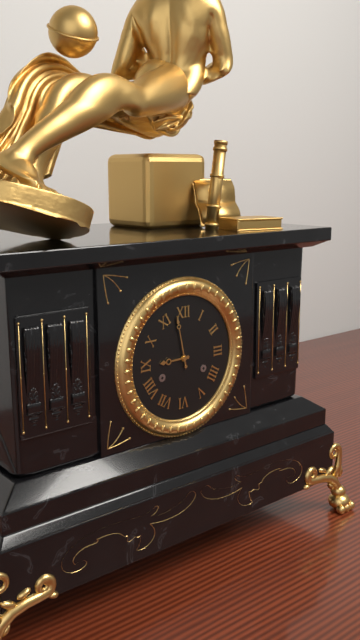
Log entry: {"hour": 8, "minute": 58}
